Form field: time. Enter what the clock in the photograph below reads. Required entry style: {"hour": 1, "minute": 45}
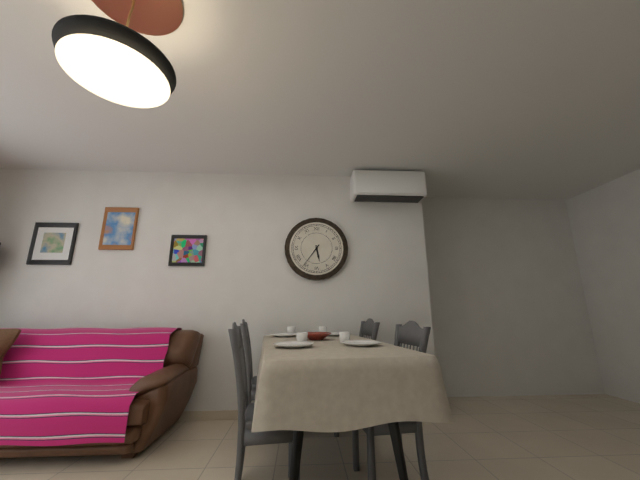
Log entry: {"hour": 5, "minute": 36}
